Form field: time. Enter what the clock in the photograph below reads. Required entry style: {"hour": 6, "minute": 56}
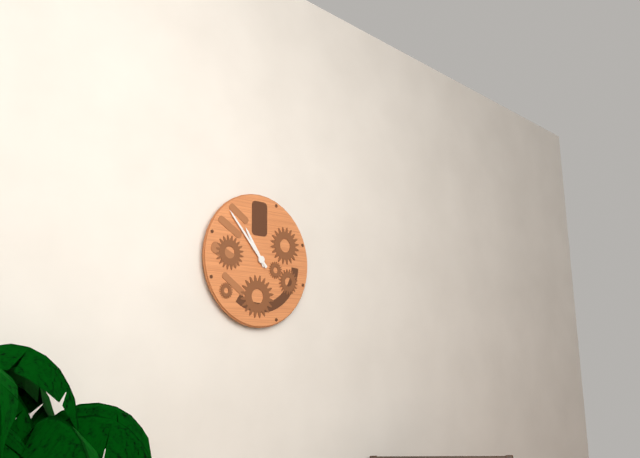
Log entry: {"hour": 10, "minute": 53}
